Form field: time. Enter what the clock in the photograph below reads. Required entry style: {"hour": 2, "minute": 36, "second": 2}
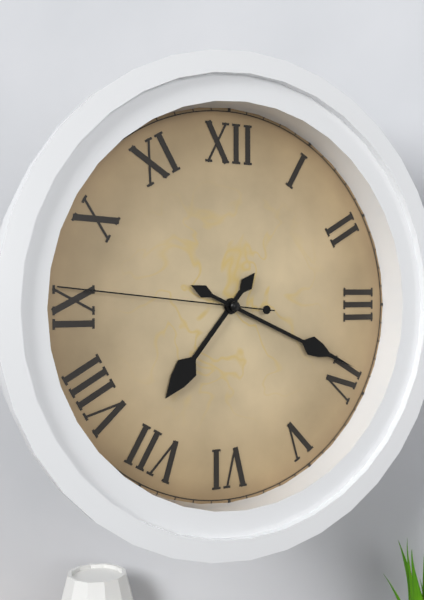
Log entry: {"hour": 7, "minute": 19, "second": 46}
